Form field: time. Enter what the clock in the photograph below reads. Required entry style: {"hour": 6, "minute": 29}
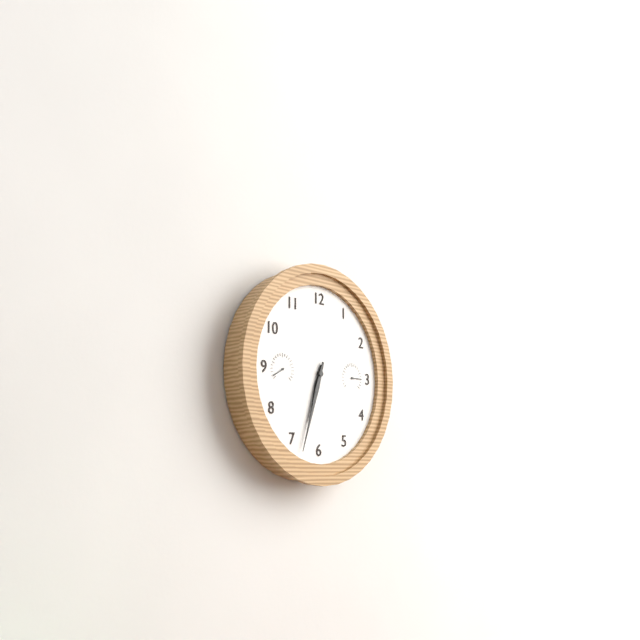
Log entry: {"hour": 6, "minute": 33}
